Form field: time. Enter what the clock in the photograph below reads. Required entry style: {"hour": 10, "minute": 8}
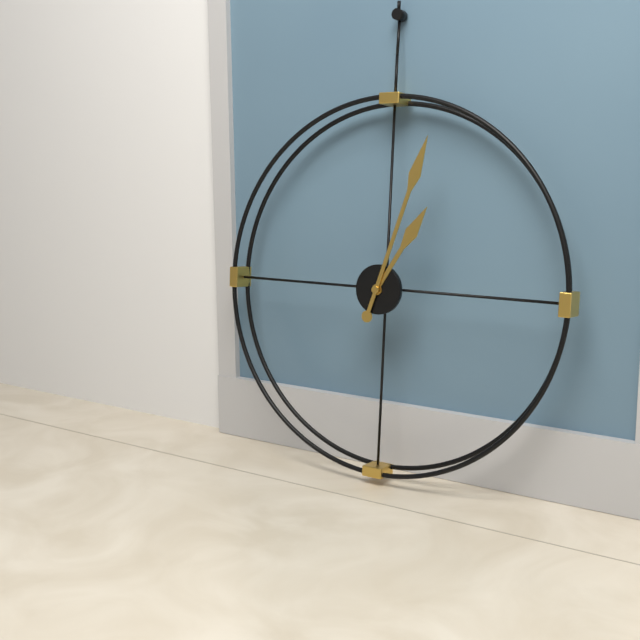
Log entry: {"hour": 1, "minute": 3}
